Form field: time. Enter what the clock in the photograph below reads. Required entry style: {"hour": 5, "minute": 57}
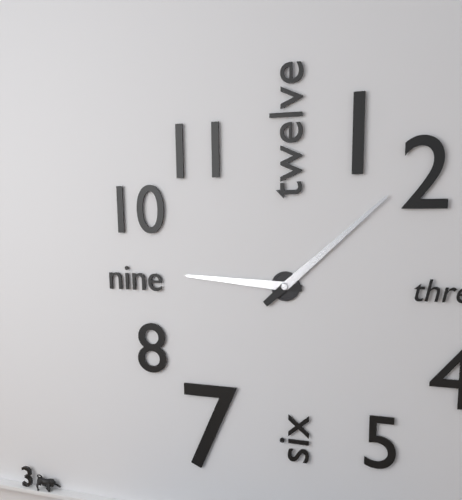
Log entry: {"hour": 9, "minute": 8}
